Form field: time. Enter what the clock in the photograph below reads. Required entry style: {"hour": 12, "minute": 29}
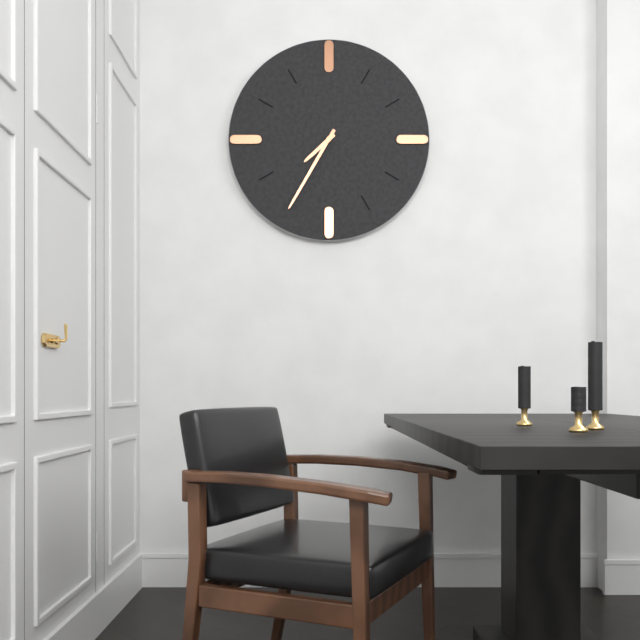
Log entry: {"hour": 7, "minute": 35}
